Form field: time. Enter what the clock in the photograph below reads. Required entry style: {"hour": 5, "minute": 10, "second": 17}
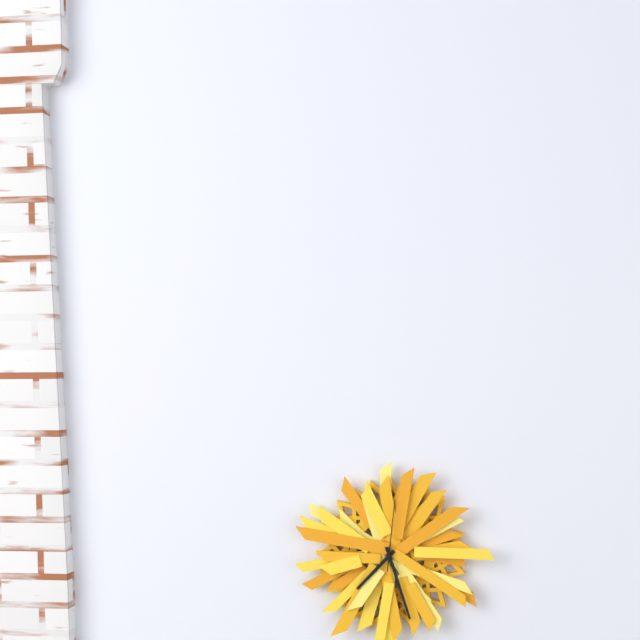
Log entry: {"hour": 7, "minute": 27, "second": 1}
